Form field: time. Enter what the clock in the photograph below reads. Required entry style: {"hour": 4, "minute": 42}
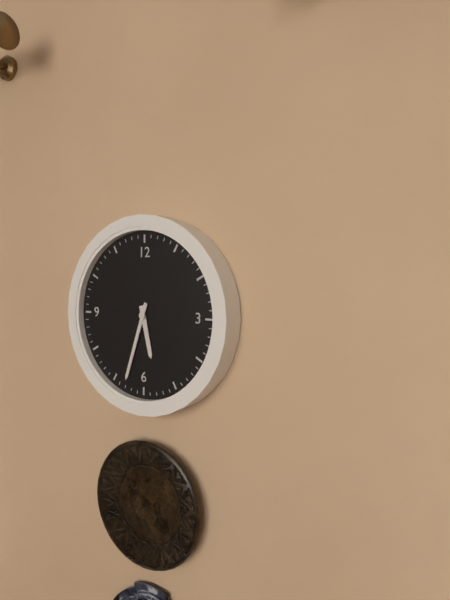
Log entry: {"hour": 5, "minute": 33}
